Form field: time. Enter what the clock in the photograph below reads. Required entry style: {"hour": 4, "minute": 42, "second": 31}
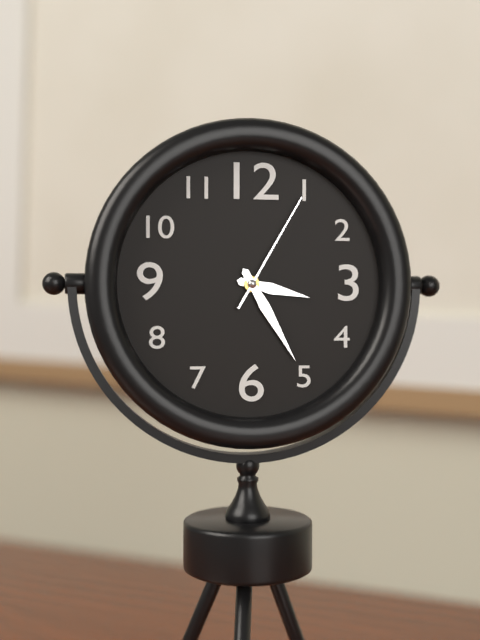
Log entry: {"hour": 3, "minute": 25, "second": 5}
